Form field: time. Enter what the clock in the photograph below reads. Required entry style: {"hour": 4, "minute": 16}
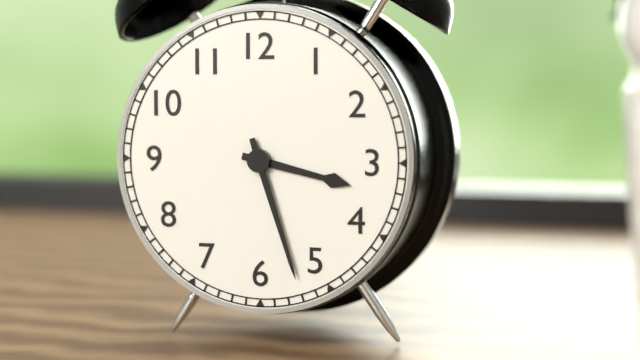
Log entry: {"hour": 3, "minute": 27}
